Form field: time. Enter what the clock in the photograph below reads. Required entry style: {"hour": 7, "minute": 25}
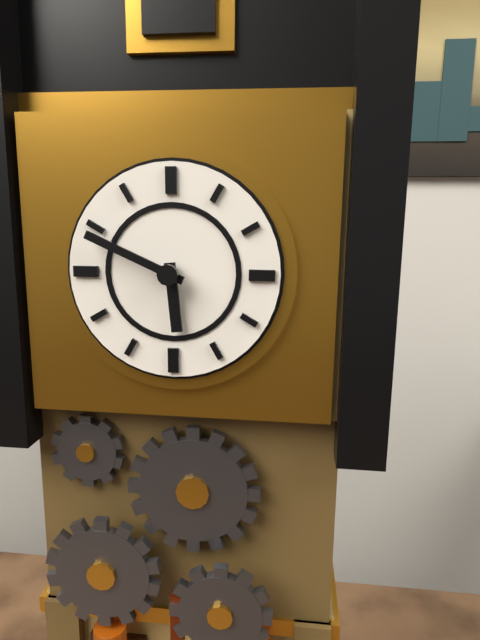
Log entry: {"hour": 5, "minute": 49}
